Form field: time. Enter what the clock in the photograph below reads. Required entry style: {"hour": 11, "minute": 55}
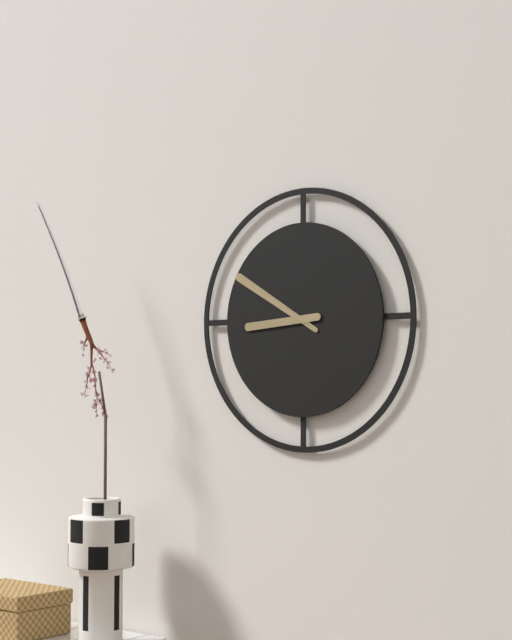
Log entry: {"hour": 8, "minute": 50}
